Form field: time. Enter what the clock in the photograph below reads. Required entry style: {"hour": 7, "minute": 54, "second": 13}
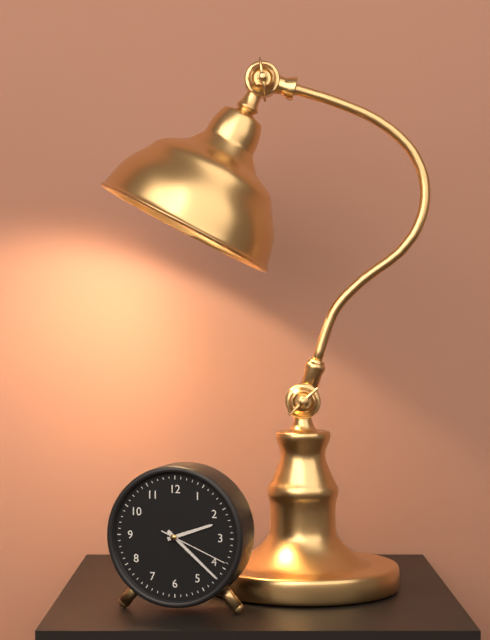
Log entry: {"hour": 2, "minute": 22, "second": 19}
